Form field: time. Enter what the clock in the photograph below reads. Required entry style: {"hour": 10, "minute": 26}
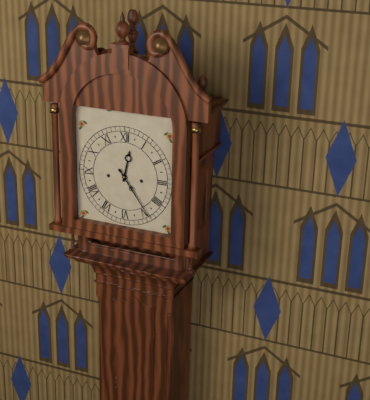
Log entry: {"hour": 12, "minute": 24}
